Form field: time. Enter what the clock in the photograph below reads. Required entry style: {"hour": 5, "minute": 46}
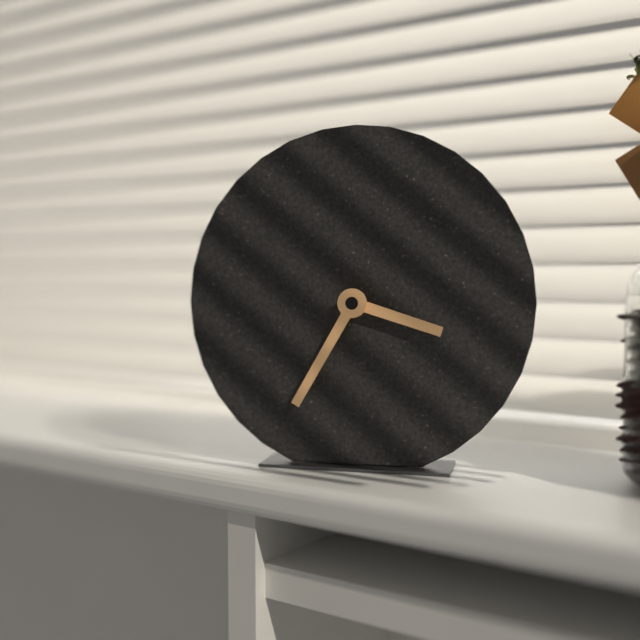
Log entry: {"hour": 3, "minute": 35}
